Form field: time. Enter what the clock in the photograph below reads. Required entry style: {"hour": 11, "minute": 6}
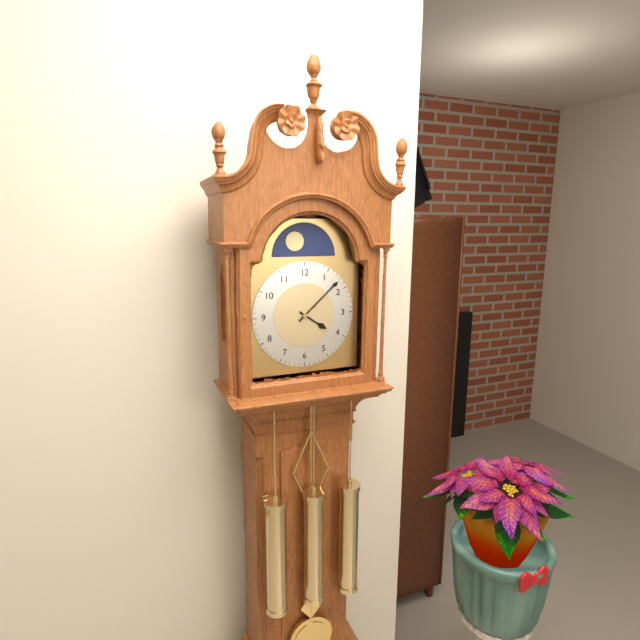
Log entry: {"hour": 4, "minute": 8}
